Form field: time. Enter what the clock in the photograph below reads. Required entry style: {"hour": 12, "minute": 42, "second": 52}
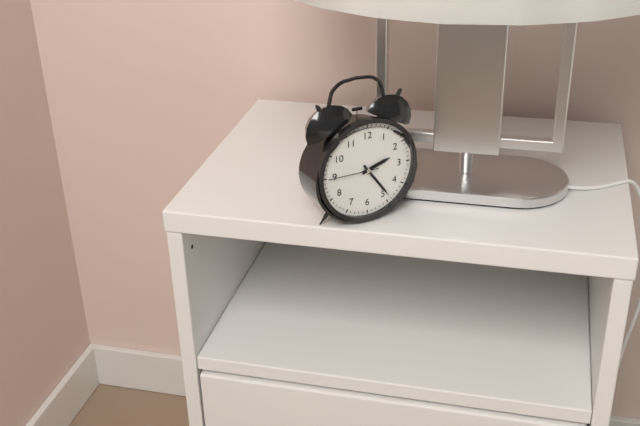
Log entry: {"hour": 2, "minute": 24, "second": 45}
